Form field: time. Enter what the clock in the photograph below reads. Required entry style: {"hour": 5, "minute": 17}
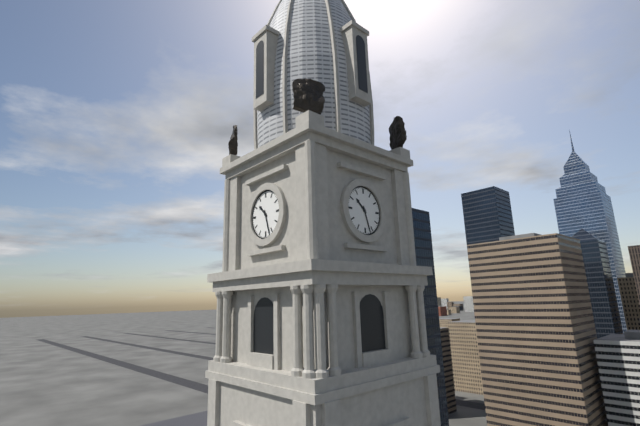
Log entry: {"hour": 10, "minute": 27}
